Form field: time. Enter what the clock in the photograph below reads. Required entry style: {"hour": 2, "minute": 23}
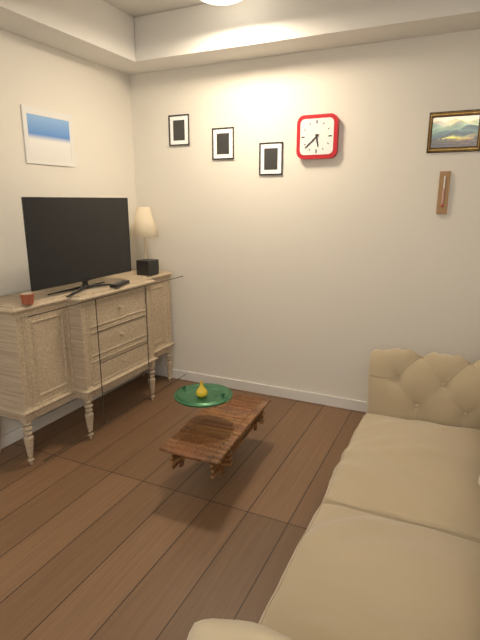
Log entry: {"hour": 5, "minute": 38}
